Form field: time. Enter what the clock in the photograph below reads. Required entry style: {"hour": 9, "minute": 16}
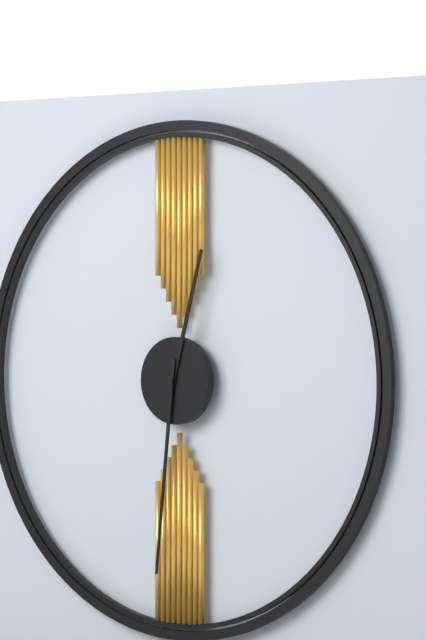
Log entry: {"hour": 12, "minute": 31}
